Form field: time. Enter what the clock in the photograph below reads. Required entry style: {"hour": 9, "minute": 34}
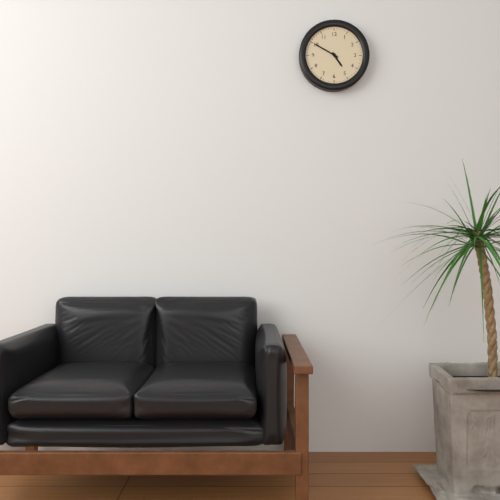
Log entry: {"hour": 4, "minute": 50}
